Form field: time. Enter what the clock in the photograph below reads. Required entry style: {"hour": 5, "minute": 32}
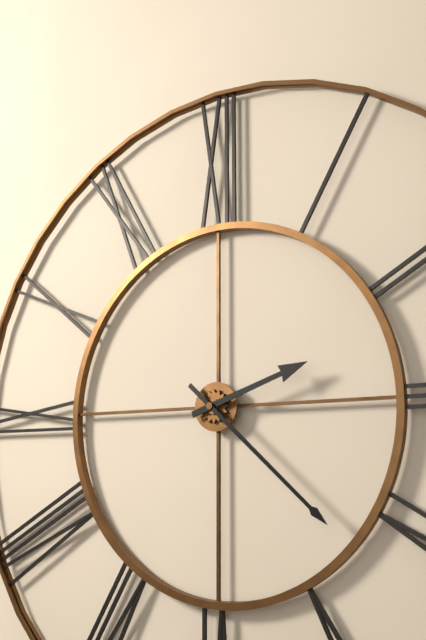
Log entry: {"hour": 2, "minute": 22}
